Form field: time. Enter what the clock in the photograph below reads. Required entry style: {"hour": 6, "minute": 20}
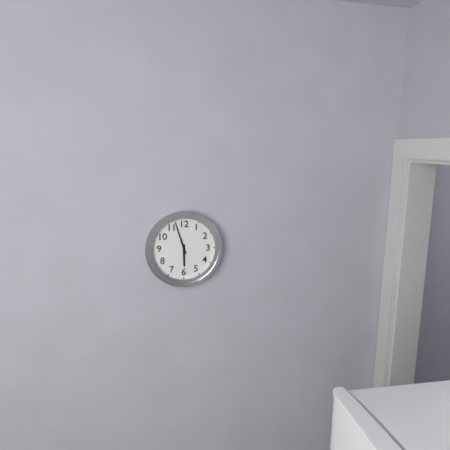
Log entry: {"hour": 5, "minute": 57}
